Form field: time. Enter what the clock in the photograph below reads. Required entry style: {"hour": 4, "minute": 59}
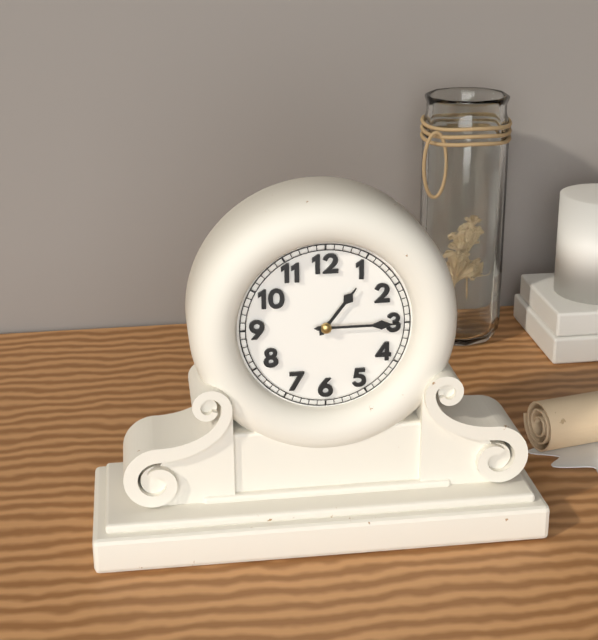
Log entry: {"hour": 1, "minute": 15}
